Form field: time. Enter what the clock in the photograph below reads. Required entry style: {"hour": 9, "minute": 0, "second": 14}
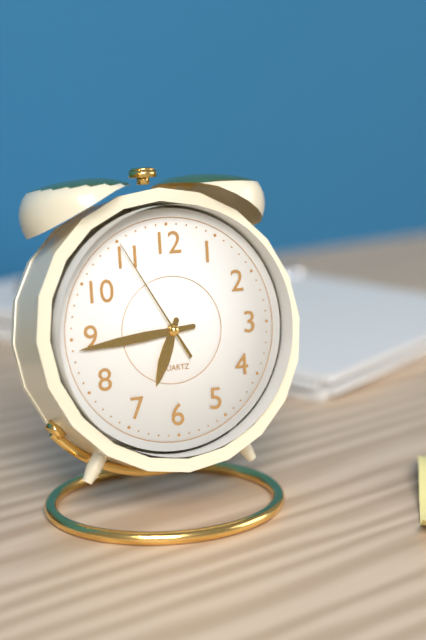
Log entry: {"hour": 6, "minute": 44, "second": 55}
